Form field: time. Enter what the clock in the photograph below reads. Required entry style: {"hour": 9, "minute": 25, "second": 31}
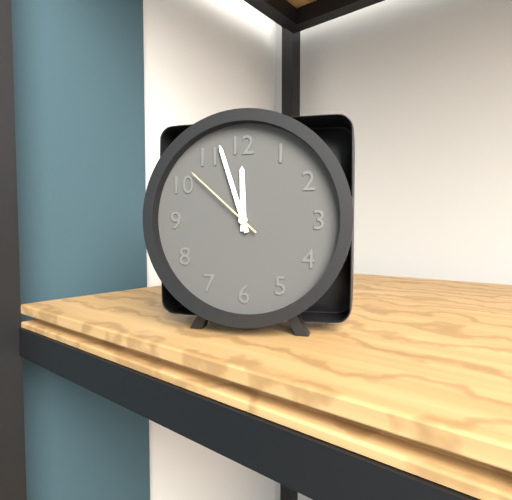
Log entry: {"hour": 11, "minute": 57, "second": 52}
